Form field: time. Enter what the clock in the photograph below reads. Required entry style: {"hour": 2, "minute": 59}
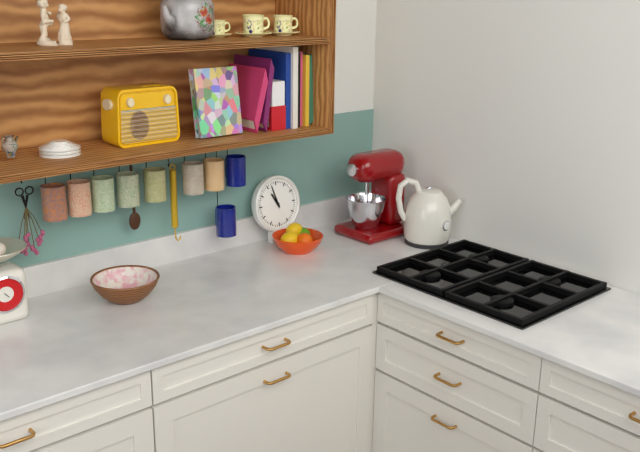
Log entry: {"hour": 10, "minute": 57}
